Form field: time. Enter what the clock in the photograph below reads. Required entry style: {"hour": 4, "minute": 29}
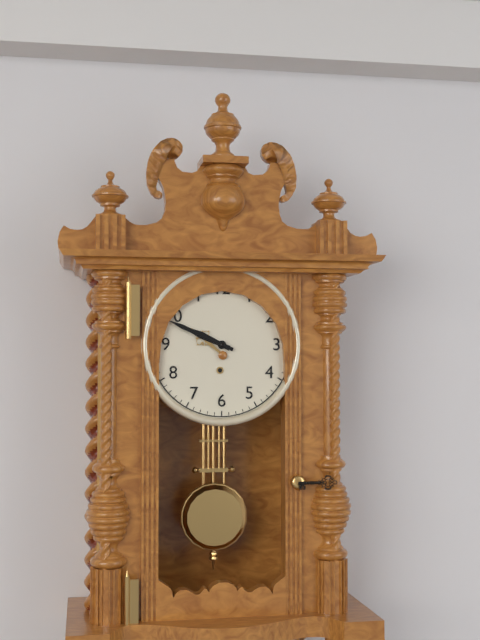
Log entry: {"hour": 9, "minute": 49}
